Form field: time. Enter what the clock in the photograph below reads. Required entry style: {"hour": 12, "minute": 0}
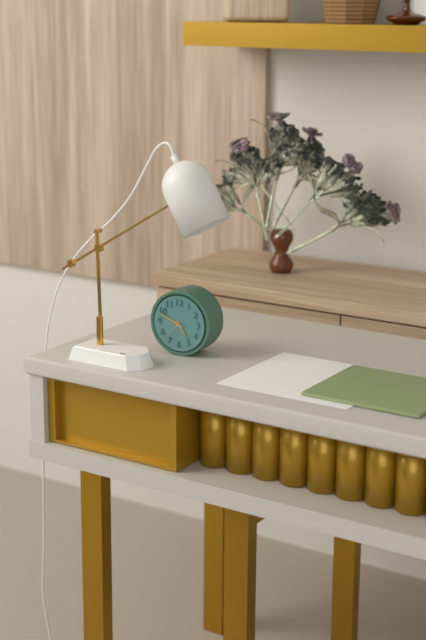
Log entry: {"hour": 4, "minute": 49}
